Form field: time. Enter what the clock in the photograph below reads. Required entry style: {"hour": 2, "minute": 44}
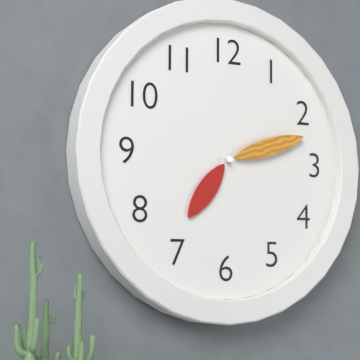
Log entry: {"hour": 7, "minute": 12}
